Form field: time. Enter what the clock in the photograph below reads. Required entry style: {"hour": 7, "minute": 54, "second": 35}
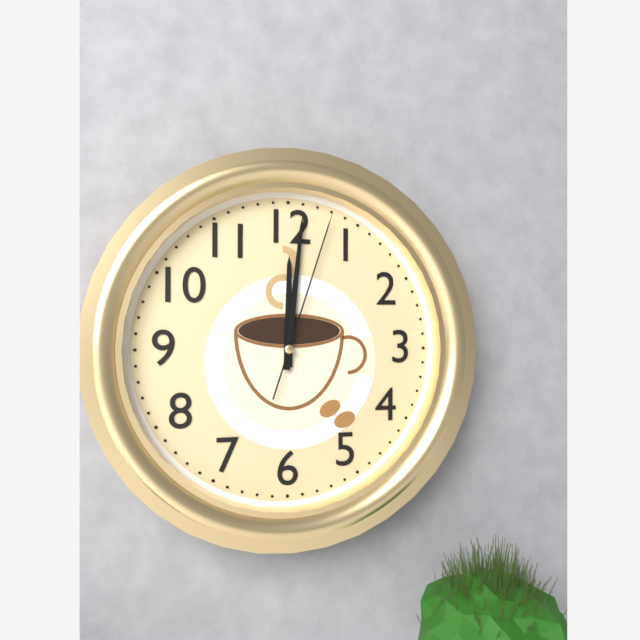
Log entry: {"hour": 12, "minute": 1, "second": 3}
